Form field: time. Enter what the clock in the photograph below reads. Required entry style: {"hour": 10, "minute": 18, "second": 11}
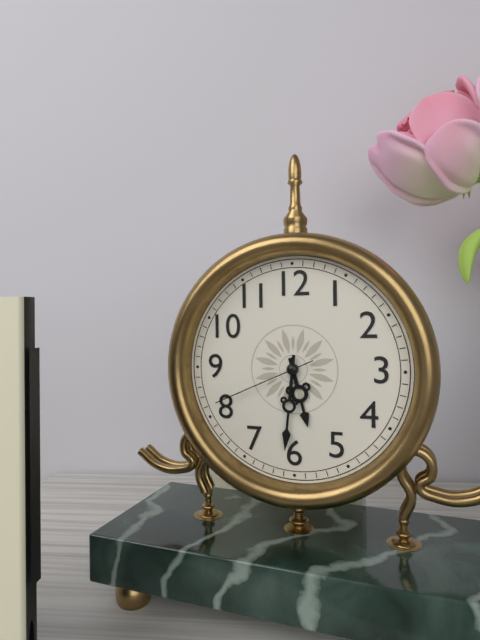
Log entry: {"hour": 5, "minute": 31, "second": 41}
